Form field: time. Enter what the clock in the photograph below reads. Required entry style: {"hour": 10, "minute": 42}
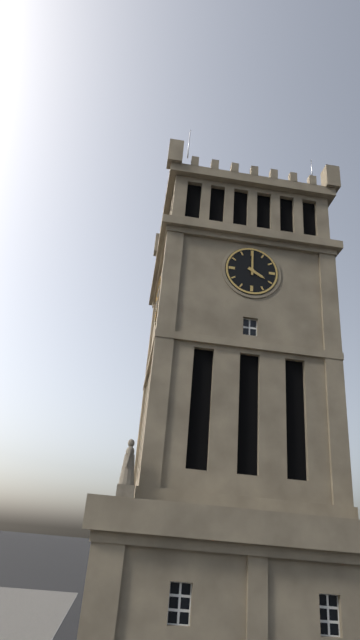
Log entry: {"hour": 4, "minute": 0}
